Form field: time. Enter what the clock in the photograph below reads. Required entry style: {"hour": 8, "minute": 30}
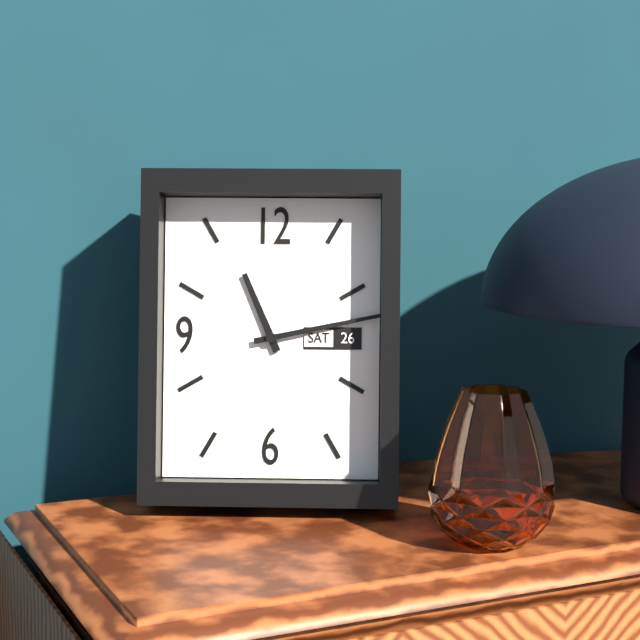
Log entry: {"hour": 11, "minute": 13}
